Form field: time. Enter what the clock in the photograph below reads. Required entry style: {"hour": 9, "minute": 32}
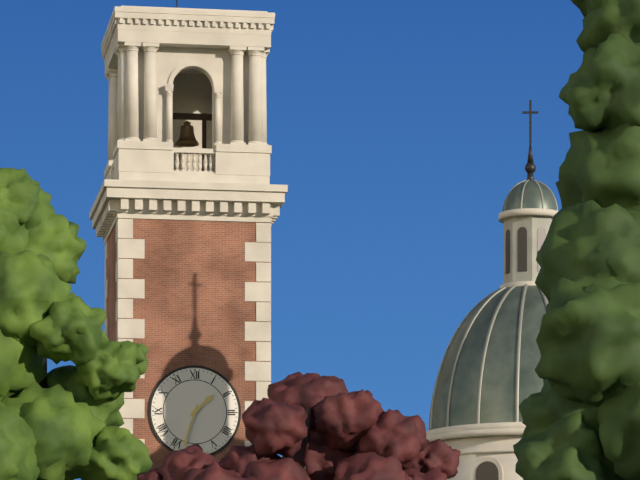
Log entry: {"hour": 1, "minute": 33}
